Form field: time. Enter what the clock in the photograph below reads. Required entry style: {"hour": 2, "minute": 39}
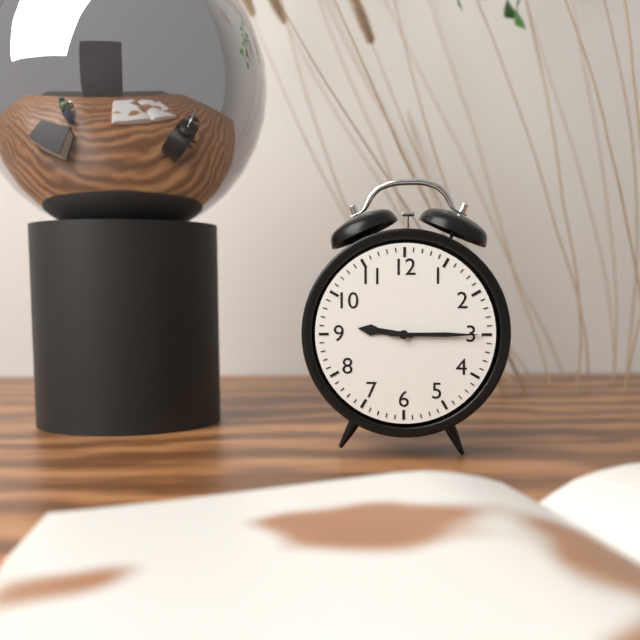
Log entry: {"hour": 9, "minute": 15}
